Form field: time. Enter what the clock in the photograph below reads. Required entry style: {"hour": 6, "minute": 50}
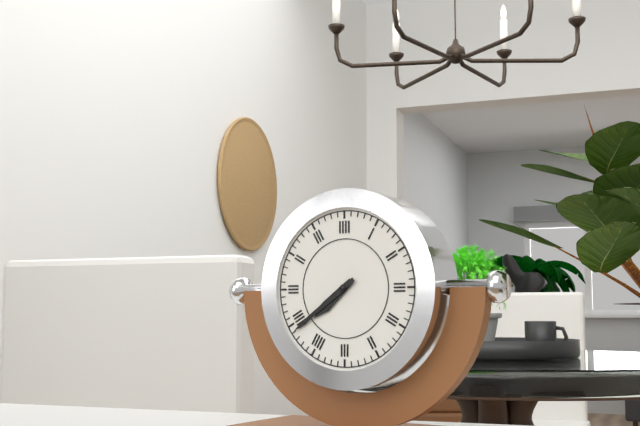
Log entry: {"hour": 7, "minute": 39}
